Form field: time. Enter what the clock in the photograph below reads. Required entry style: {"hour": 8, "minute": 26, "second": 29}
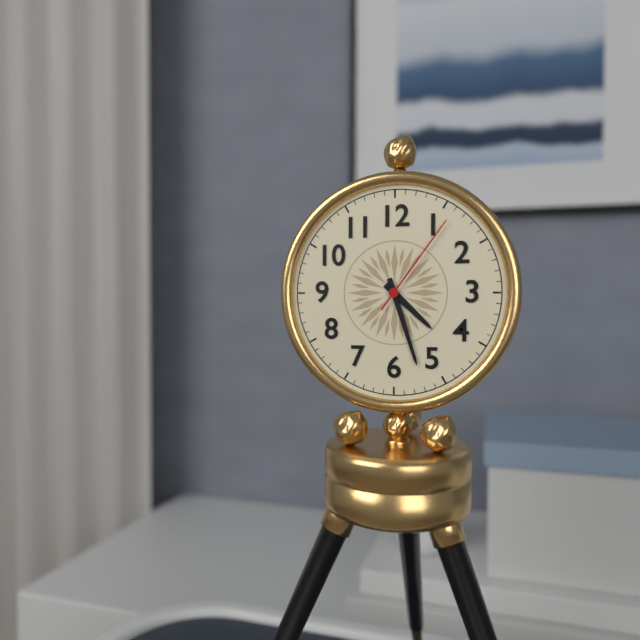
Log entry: {"hour": 4, "minute": 27, "second": 6}
